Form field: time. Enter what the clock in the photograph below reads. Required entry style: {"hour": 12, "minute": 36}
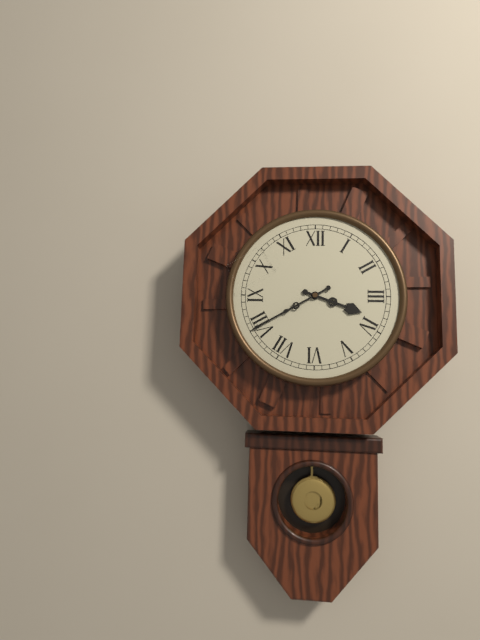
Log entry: {"hour": 3, "minute": 40}
